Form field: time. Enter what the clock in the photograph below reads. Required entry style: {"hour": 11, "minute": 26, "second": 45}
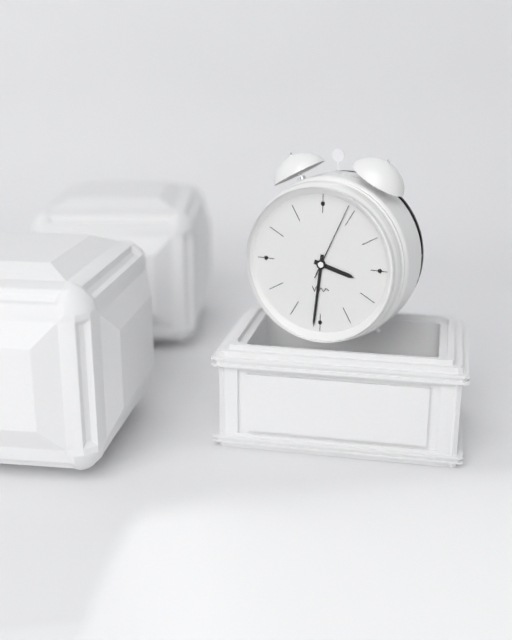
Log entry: {"hour": 3, "minute": 31, "second": 4}
